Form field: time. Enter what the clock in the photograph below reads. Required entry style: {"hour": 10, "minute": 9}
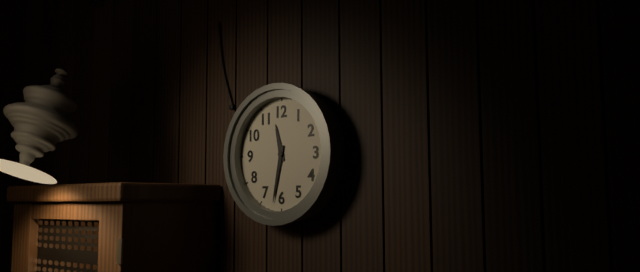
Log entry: {"hour": 11, "minute": 32}
